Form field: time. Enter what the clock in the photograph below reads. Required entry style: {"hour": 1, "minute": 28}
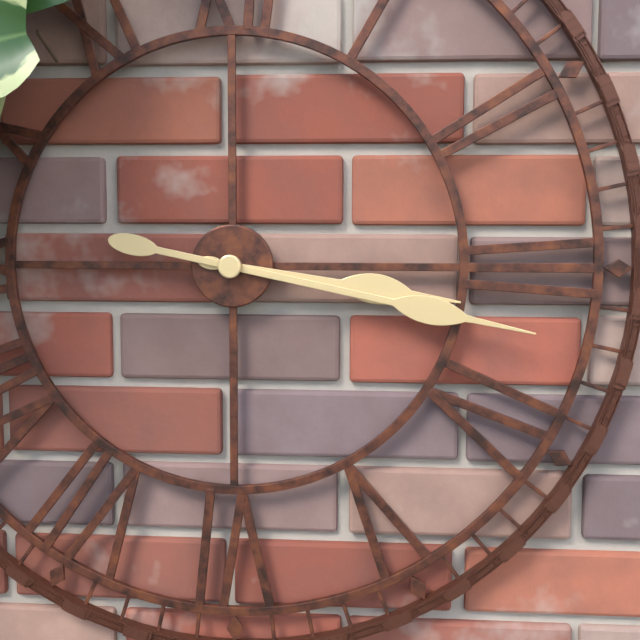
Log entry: {"hour": 3, "minute": 17}
